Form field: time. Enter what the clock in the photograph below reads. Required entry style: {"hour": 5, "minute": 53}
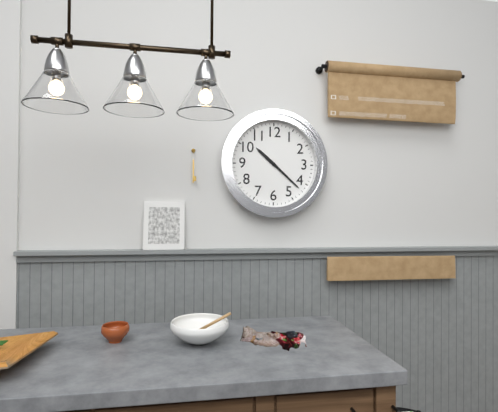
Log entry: {"hour": 10, "minute": 22}
